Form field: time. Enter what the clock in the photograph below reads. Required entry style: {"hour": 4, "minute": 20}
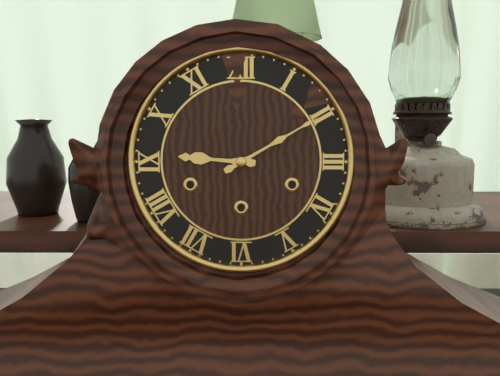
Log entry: {"hour": 9, "minute": 10}
